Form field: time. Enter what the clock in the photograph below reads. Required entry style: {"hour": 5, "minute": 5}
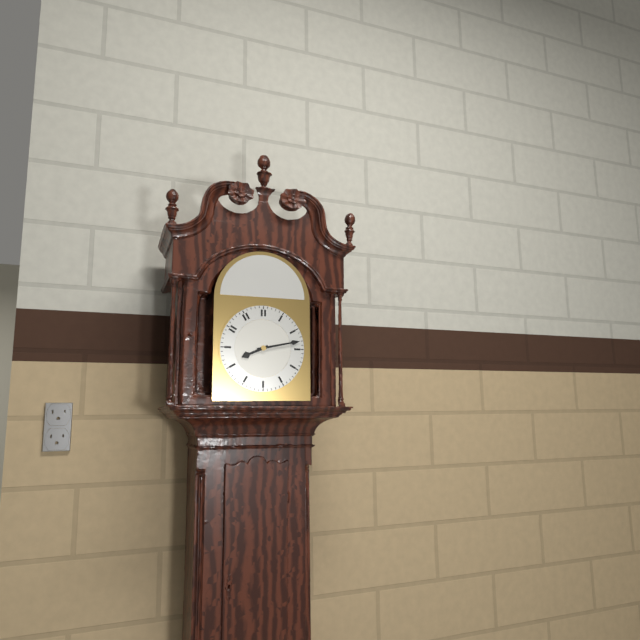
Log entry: {"hour": 8, "minute": 13}
